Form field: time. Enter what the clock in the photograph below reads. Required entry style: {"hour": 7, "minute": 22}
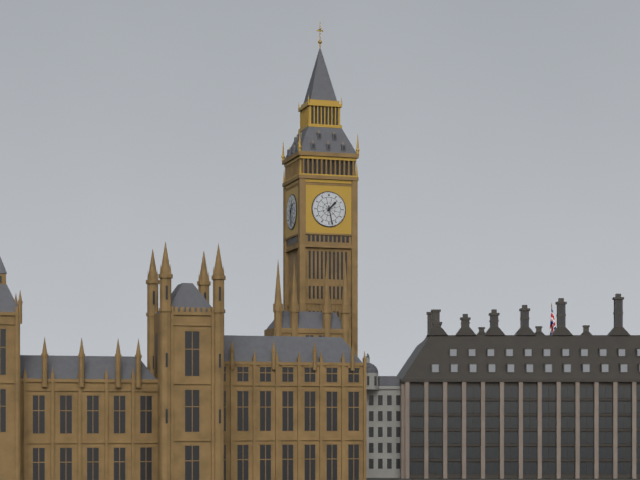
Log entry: {"hour": 1, "minute": 28}
